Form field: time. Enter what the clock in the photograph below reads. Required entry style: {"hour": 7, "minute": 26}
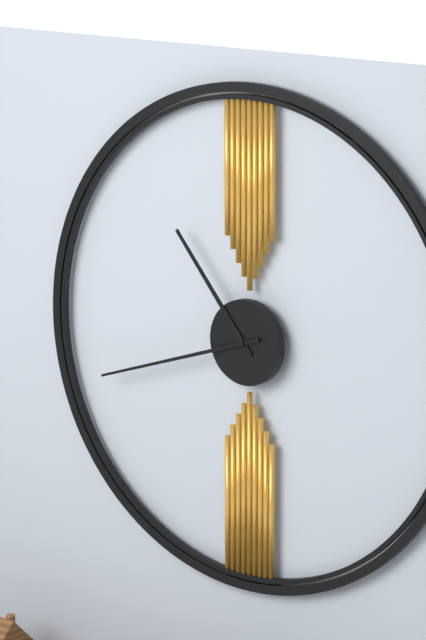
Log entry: {"hour": 10, "minute": 42}
